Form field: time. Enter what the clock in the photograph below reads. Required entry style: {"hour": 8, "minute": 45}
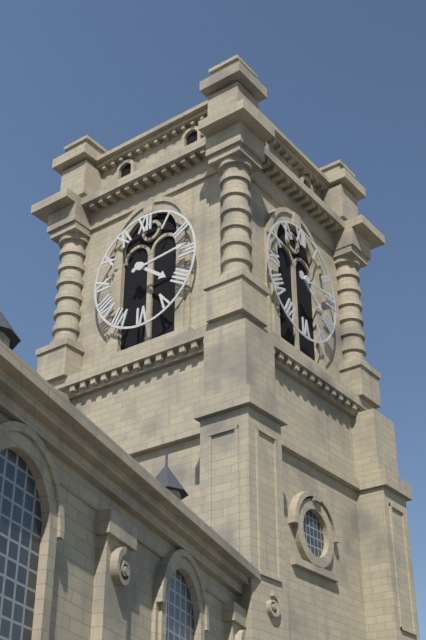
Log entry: {"hour": 4, "minute": 14}
